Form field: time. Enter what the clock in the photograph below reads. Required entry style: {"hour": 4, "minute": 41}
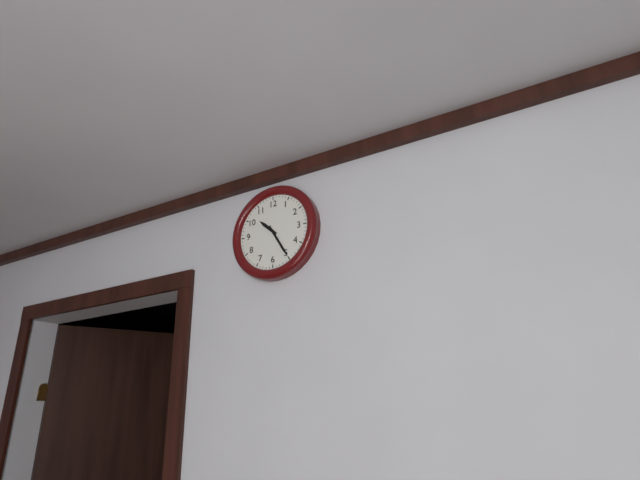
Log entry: {"hour": 10, "minute": 25}
